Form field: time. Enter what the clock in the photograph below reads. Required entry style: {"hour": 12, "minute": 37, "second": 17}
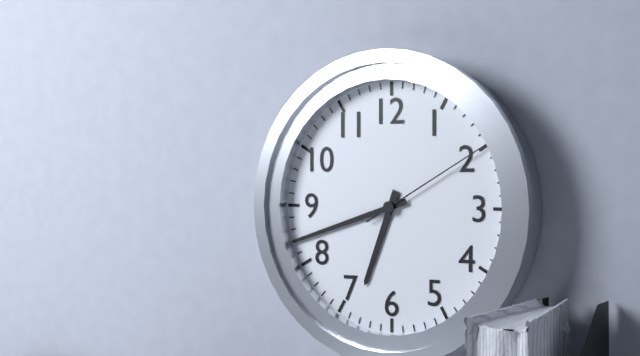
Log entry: {"hour": 6, "minute": 42, "second": 10}
